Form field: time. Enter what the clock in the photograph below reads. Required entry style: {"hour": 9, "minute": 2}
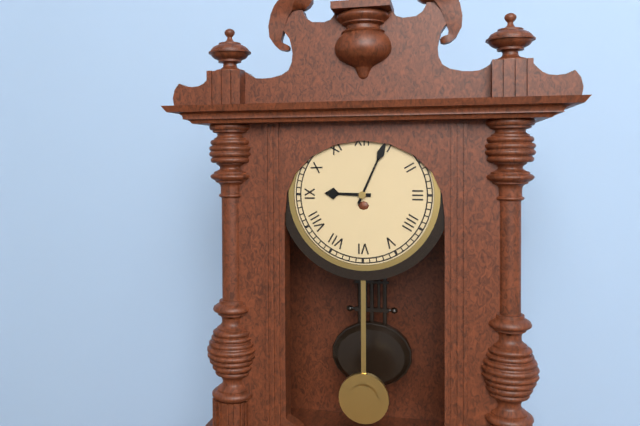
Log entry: {"hour": 9, "minute": 4}
